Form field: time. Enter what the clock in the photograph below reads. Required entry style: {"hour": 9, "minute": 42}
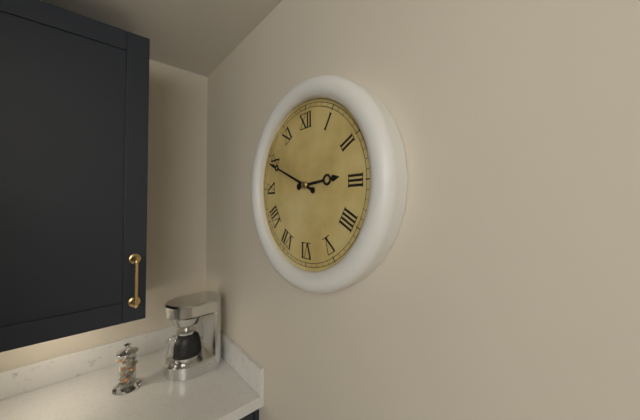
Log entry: {"hour": 2, "minute": 49}
